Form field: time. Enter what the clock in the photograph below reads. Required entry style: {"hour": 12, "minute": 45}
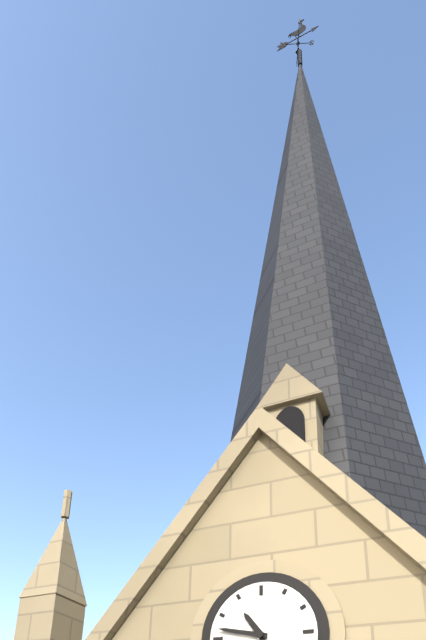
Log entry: {"hour": 10, "minute": 47}
